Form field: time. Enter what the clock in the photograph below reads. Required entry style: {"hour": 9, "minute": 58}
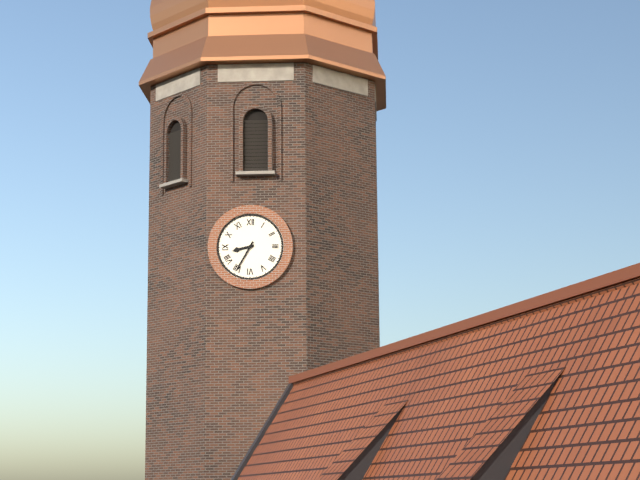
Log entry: {"hour": 8, "minute": 35}
